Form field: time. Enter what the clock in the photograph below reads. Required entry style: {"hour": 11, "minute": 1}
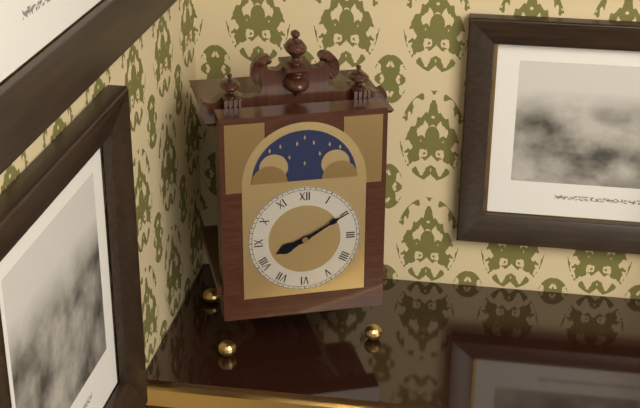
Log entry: {"hour": 8, "minute": 10}
